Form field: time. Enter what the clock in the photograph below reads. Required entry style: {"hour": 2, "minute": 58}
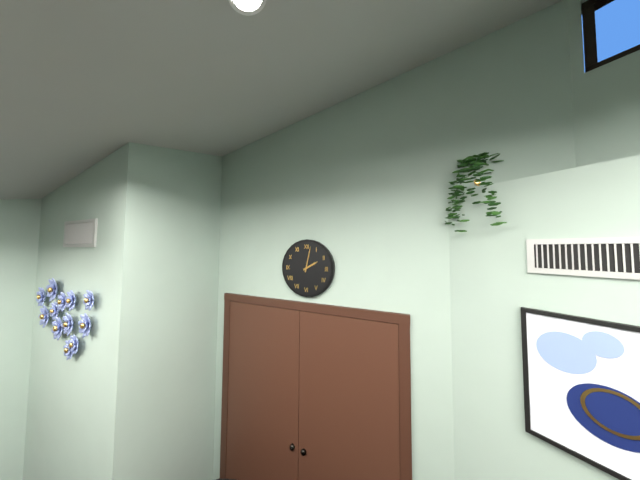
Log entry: {"hour": 2, "minute": 2}
